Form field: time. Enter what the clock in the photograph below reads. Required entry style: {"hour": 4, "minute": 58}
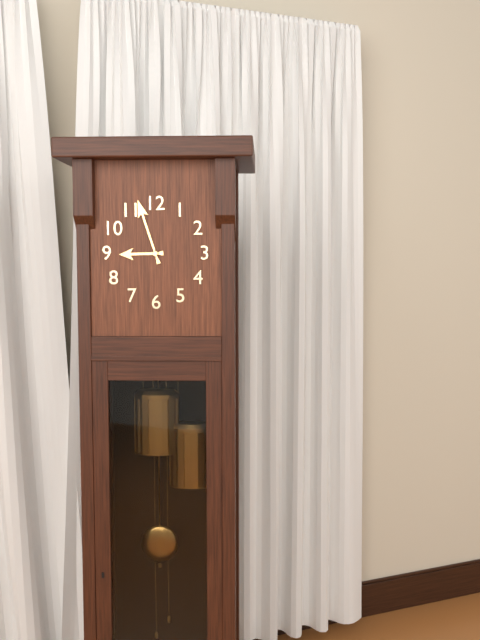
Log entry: {"hour": 8, "minute": 57}
